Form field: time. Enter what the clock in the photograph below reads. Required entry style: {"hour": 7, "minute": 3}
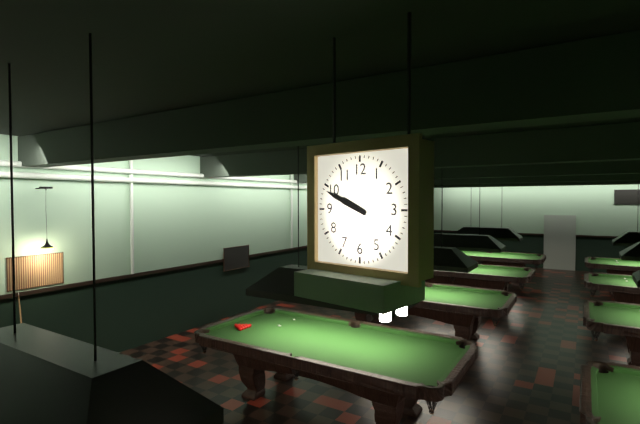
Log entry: {"hour": 9, "minute": 49}
